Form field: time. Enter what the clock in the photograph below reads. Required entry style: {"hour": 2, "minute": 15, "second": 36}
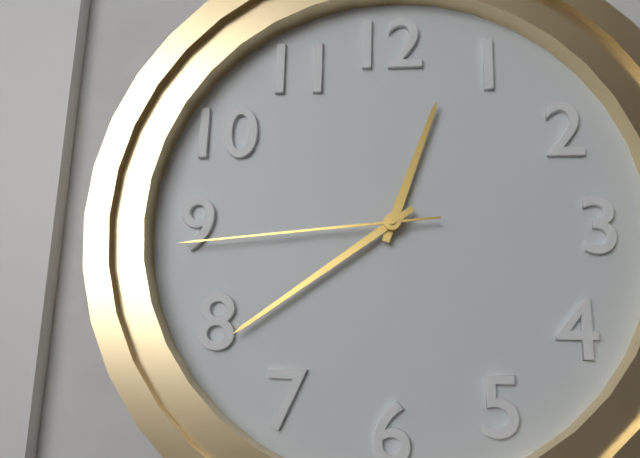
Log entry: {"hour": 12, "minute": 39, "second": 44}
